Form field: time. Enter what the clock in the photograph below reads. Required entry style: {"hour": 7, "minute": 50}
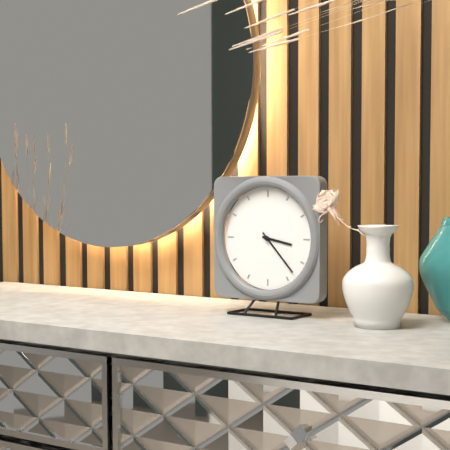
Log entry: {"hour": 3, "minute": 23}
